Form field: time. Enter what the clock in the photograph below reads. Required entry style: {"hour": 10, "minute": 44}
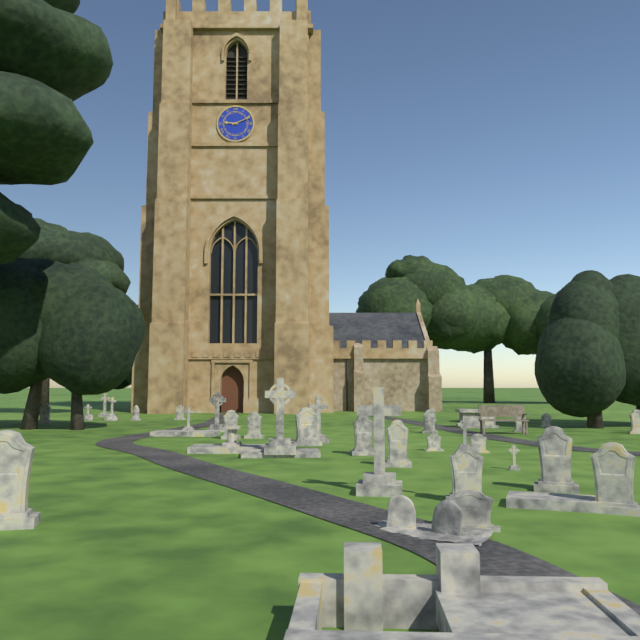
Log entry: {"hour": 9, "minute": 11}
